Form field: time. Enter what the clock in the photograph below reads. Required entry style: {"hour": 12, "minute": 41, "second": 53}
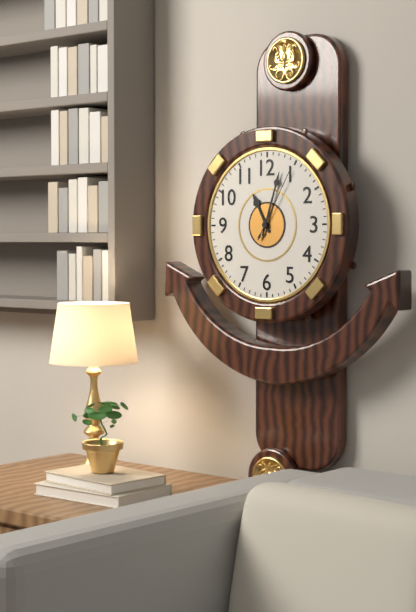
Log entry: {"hour": 11, "minute": 3, "second": 5}
